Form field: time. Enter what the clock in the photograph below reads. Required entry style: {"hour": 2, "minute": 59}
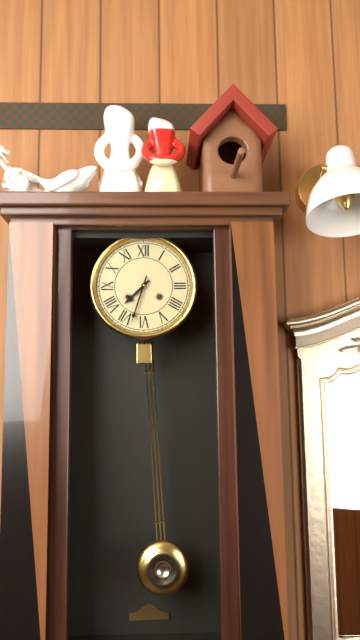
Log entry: {"hour": 7, "minute": 33}
